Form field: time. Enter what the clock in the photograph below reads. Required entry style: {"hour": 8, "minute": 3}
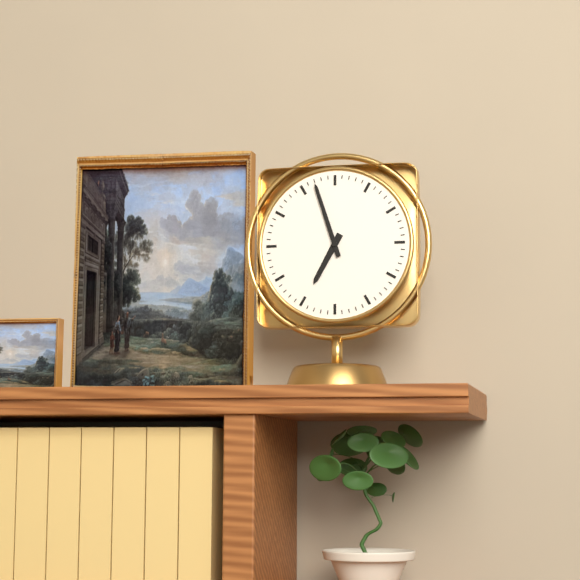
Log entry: {"hour": 6, "minute": 57}
